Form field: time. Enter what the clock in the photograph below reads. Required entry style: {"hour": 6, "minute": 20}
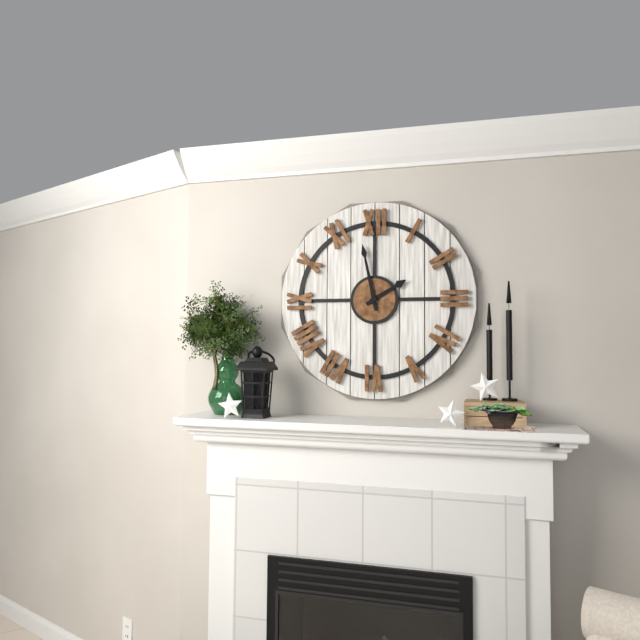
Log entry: {"hour": 1, "minute": 58}
